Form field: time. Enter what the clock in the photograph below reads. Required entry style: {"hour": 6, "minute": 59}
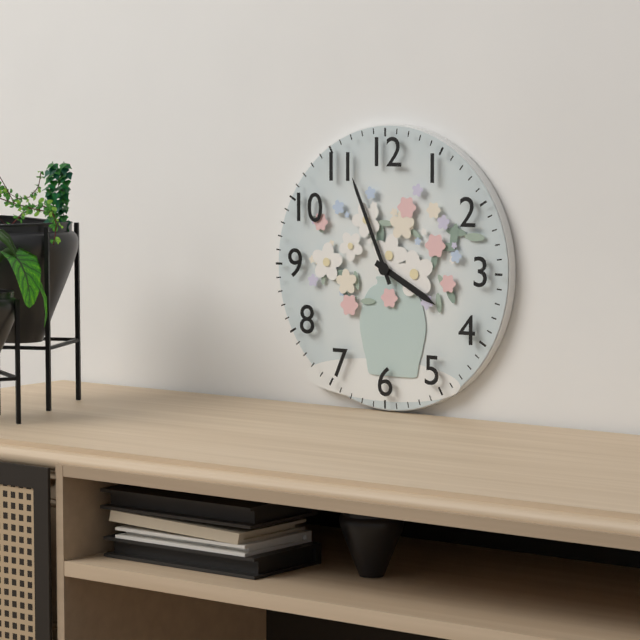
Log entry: {"hour": 3, "minute": 56}
